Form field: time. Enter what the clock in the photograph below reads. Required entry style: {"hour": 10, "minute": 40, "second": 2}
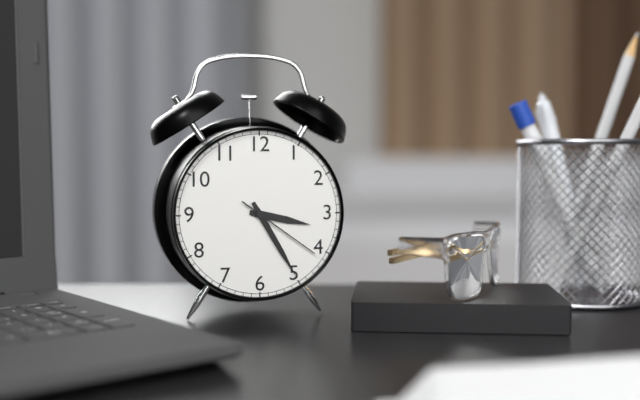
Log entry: {"hour": 3, "minute": 25, "second": 21}
